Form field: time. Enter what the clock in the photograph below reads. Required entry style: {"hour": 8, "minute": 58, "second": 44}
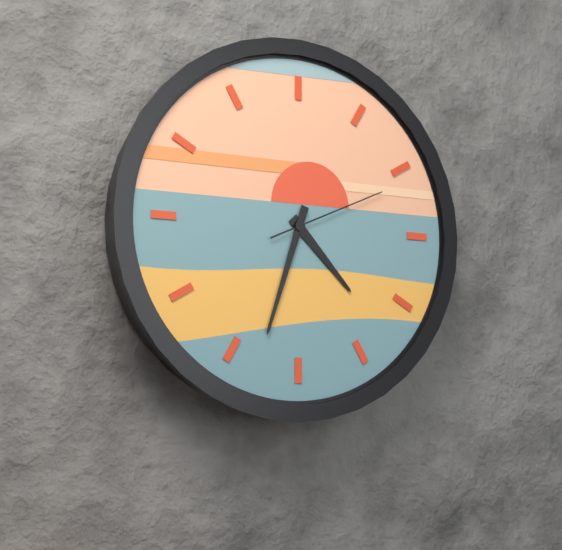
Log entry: {"hour": 4, "minute": 33, "second": 11}
